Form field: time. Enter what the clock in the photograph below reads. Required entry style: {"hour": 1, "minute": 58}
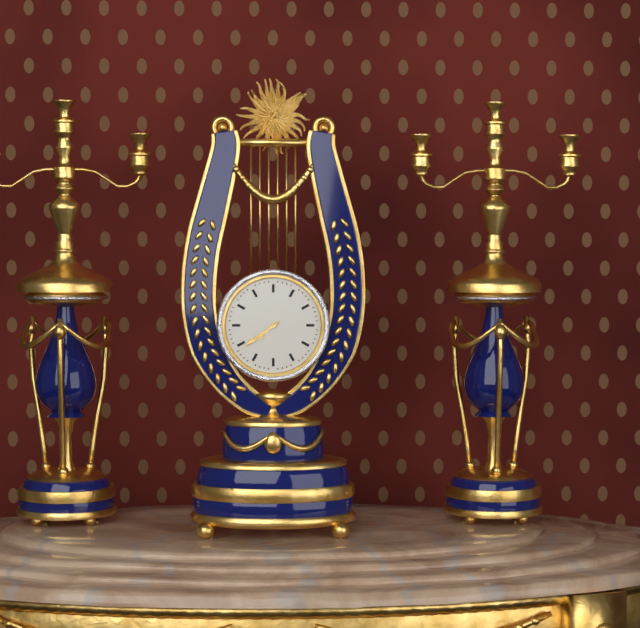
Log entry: {"hour": 7, "minute": 39}
